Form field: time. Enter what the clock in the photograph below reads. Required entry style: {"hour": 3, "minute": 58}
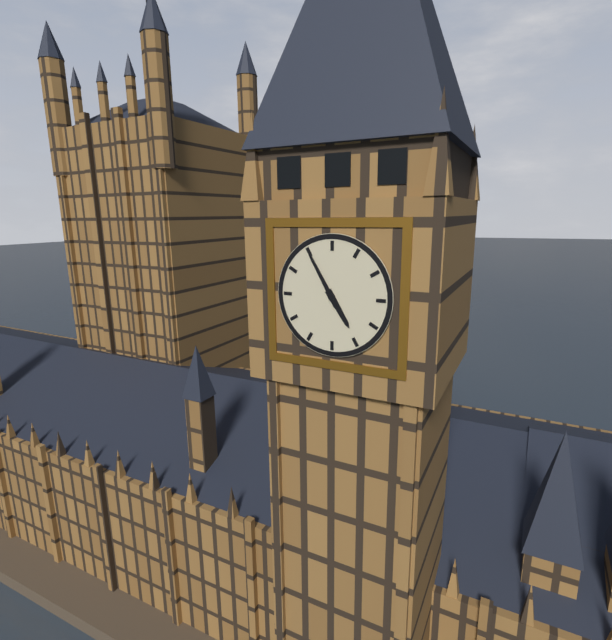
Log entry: {"hour": 4, "minute": 55}
